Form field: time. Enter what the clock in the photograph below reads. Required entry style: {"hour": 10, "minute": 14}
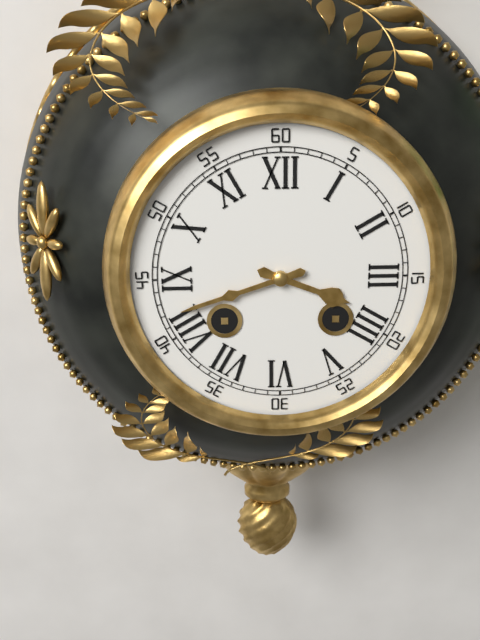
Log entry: {"hour": 3, "minute": 42}
